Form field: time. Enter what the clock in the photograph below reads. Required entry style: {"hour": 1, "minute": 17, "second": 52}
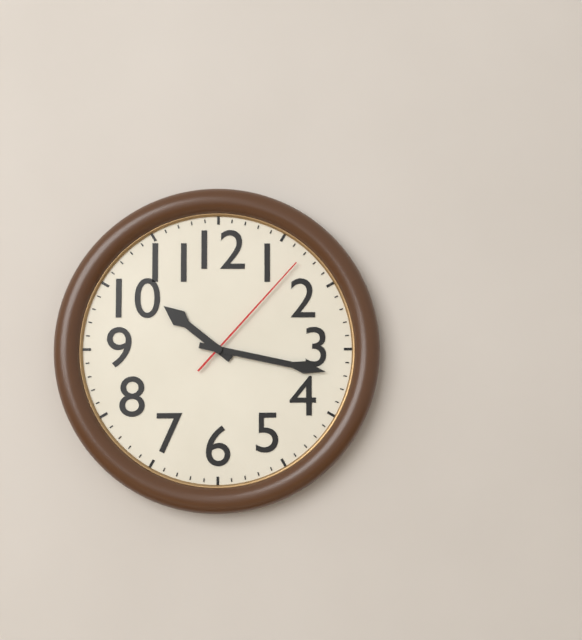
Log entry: {"hour": 10, "minute": 17, "second": 7}
